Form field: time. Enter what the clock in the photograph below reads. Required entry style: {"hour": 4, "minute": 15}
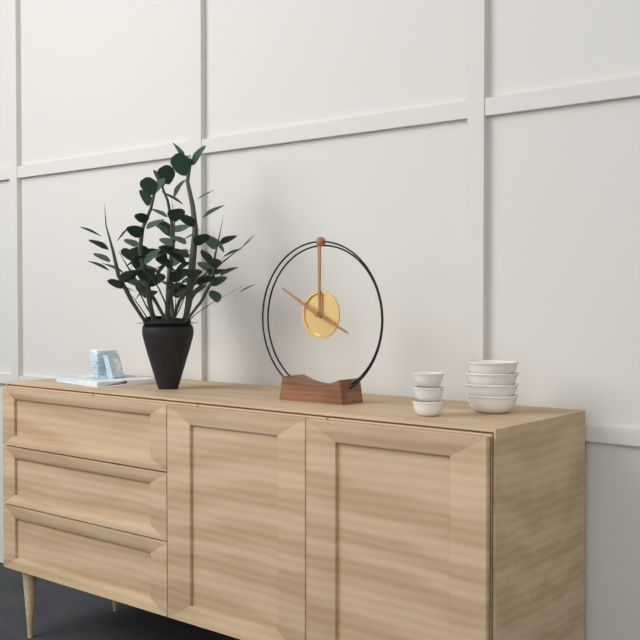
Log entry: {"hour": 3, "minute": 50}
